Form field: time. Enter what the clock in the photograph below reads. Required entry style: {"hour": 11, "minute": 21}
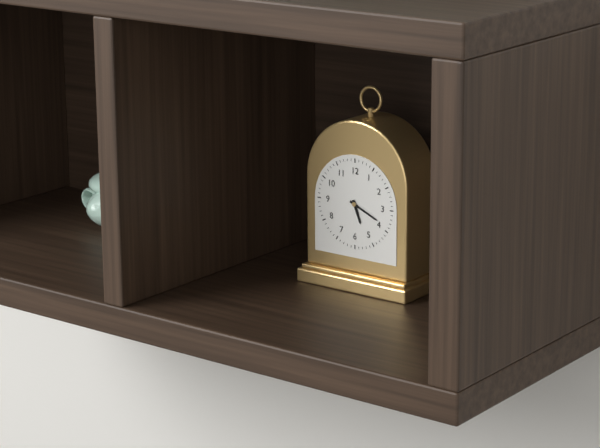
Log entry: {"hour": 5, "minute": 19}
